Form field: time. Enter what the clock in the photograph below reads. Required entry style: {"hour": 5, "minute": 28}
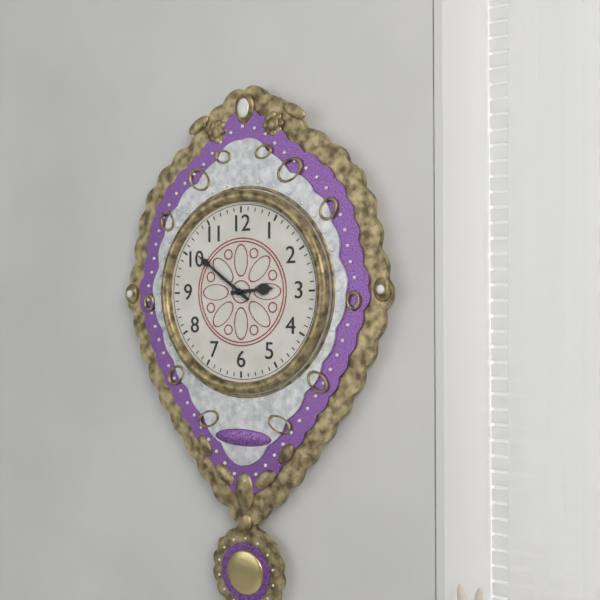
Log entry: {"hour": 2, "minute": 51}
